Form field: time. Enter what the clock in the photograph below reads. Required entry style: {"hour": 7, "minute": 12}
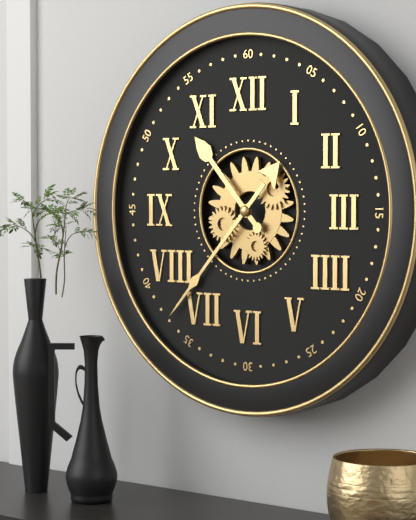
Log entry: {"hour": 10, "minute": 37}
